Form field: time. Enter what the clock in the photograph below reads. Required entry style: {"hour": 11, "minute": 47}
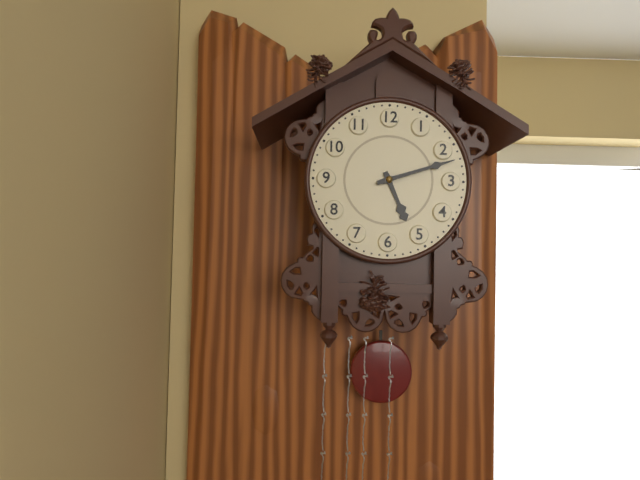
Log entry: {"hour": 5, "minute": 12}
